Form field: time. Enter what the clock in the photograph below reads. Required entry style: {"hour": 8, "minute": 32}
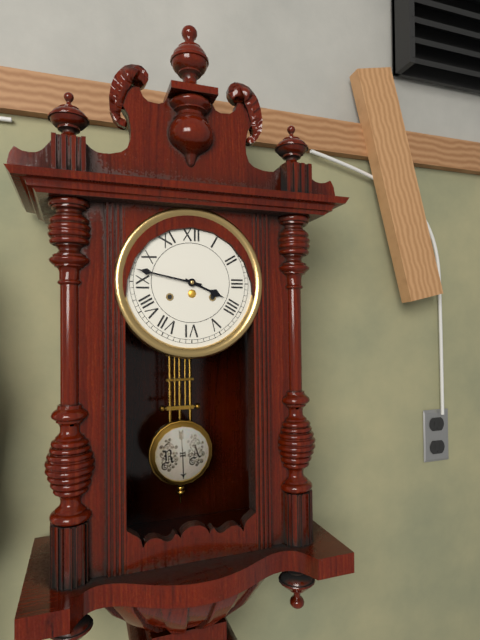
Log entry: {"hour": 3, "minute": 47}
